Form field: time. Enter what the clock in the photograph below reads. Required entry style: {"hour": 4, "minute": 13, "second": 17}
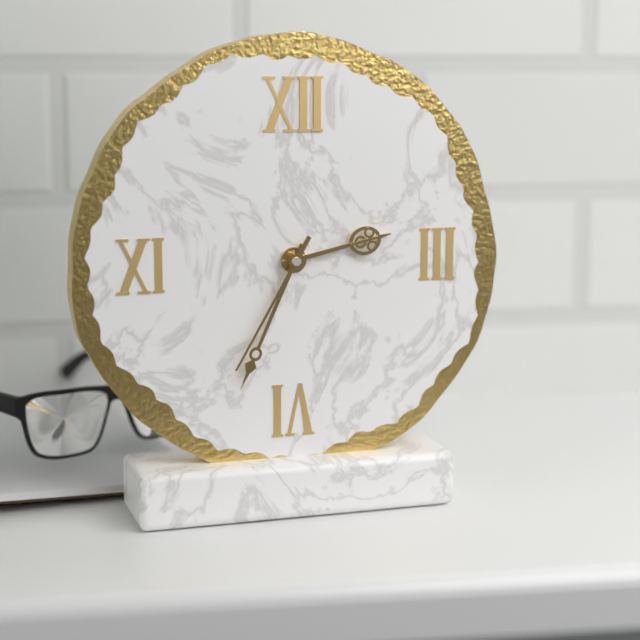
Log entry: {"hour": 2, "minute": 34, "second": 35}
